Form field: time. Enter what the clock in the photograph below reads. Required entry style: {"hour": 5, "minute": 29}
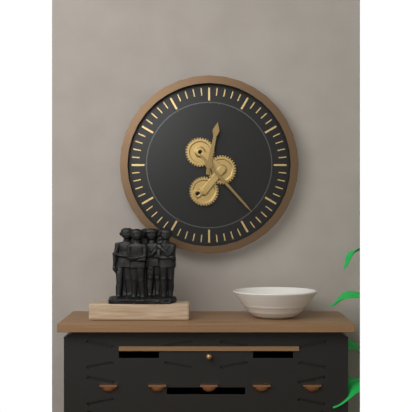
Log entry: {"hour": 12, "minute": 23}
